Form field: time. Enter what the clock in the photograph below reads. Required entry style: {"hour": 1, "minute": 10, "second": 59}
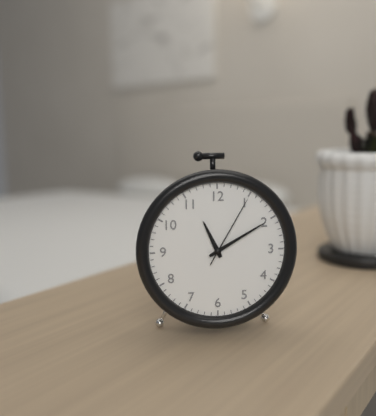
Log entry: {"hour": 11, "minute": 10, "second": 5}
